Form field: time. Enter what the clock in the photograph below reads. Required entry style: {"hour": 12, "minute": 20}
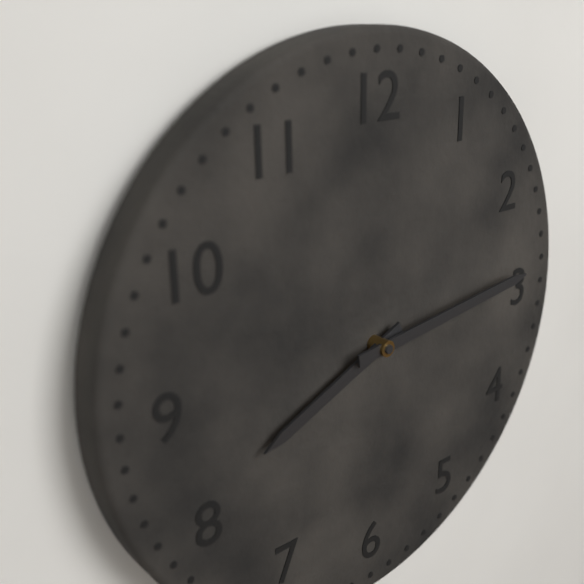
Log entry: {"hour": 8, "minute": 14}
